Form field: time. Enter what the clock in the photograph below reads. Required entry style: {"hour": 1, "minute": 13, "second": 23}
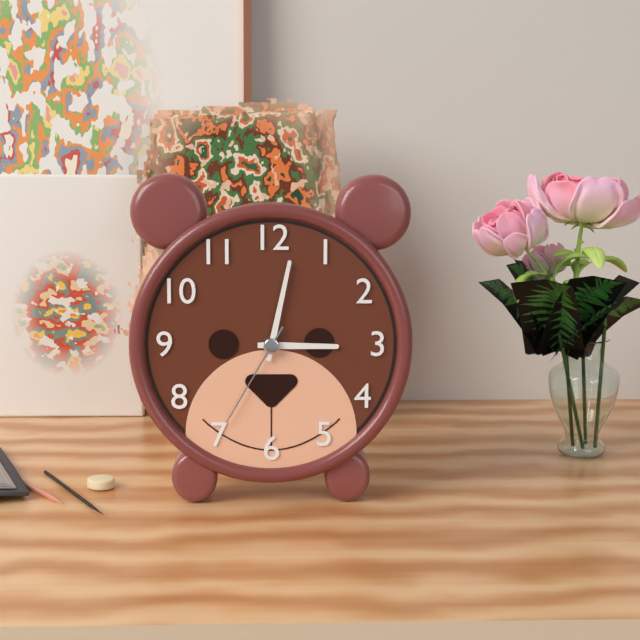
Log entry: {"hour": 3, "minute": 2, "second": 35}
